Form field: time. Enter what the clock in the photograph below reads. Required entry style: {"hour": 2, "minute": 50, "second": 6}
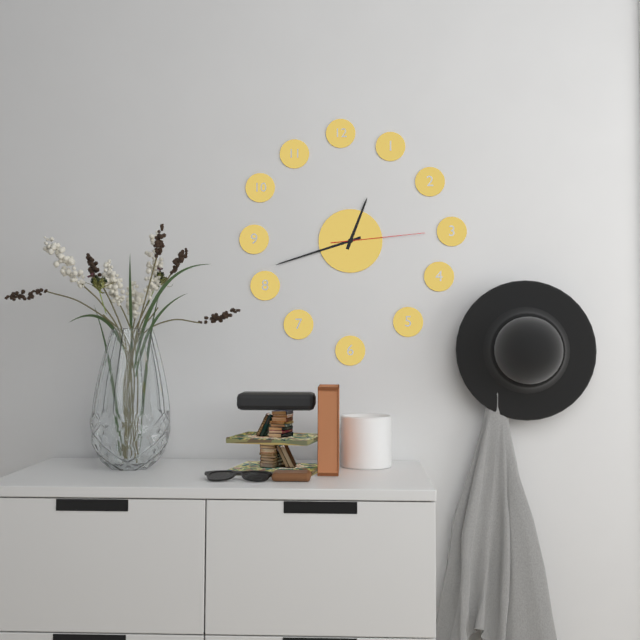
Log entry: {"hour": 12, "minute": 42, "second": 14}
